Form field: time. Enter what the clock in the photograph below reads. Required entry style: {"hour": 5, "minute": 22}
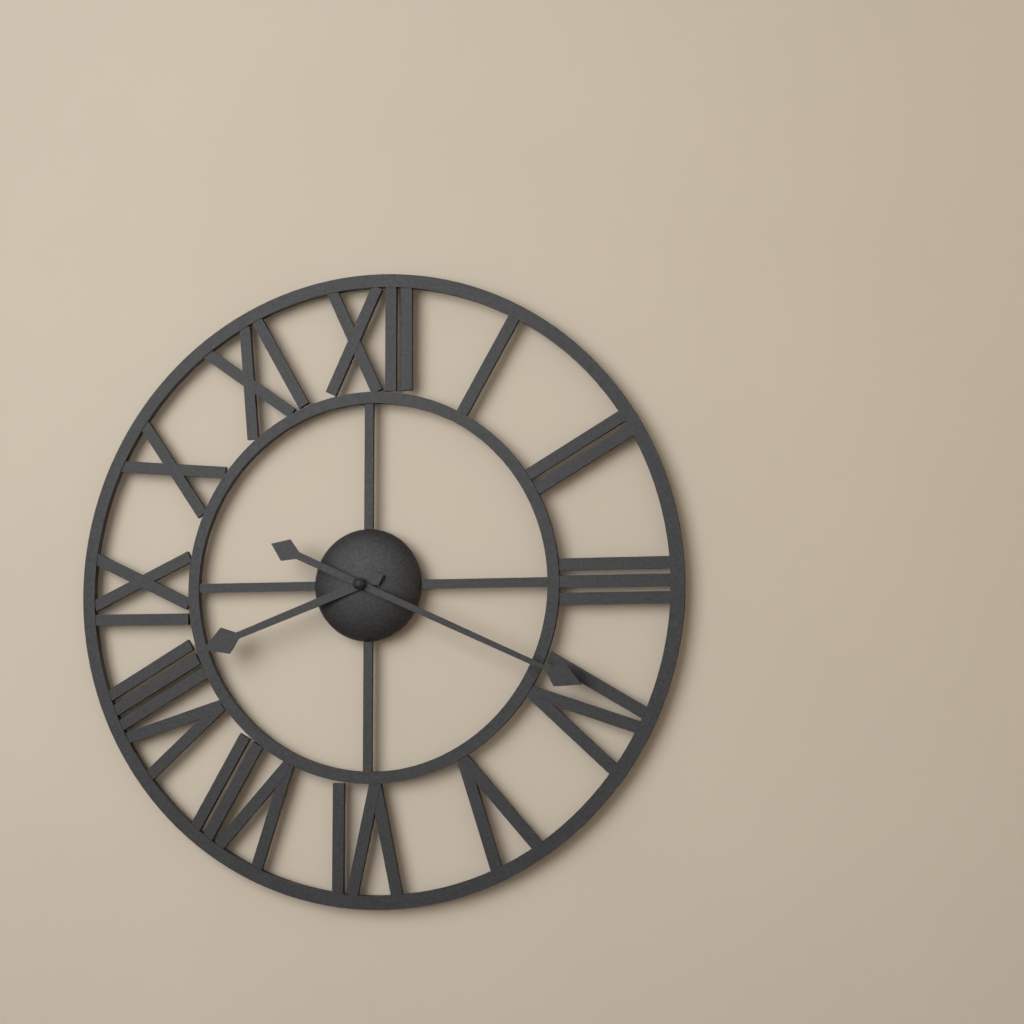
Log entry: {"hour": 8, "minute": 19}
